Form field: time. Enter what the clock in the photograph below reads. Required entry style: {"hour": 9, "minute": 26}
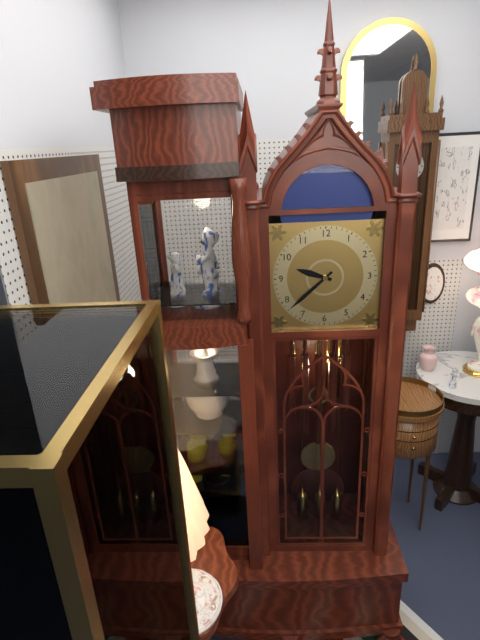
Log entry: {"hour": 9, "minute": 38}
